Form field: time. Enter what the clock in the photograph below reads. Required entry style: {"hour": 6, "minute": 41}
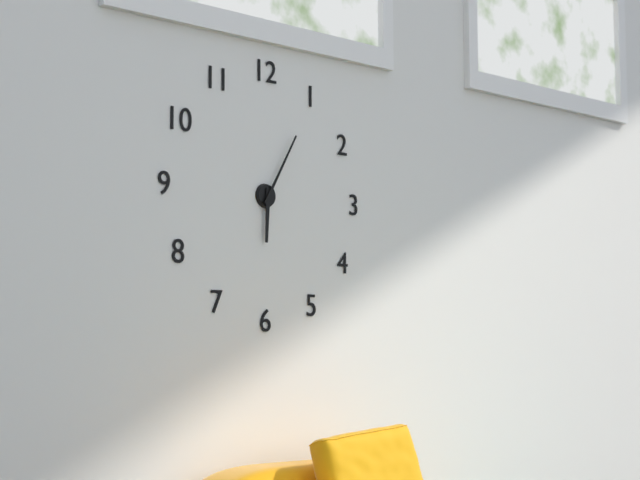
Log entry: {"hour": 6, "minute": 5}
